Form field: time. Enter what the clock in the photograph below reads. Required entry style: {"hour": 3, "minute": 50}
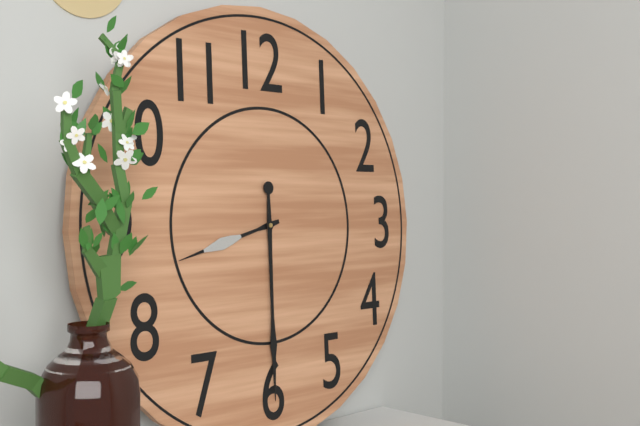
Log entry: {"hour": 8, "minute": 30}
